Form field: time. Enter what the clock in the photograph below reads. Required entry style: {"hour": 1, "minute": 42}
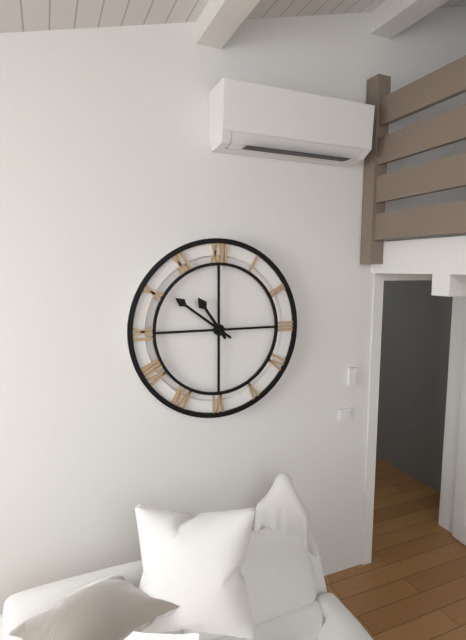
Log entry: {"hour": 10, "minute": 51}
